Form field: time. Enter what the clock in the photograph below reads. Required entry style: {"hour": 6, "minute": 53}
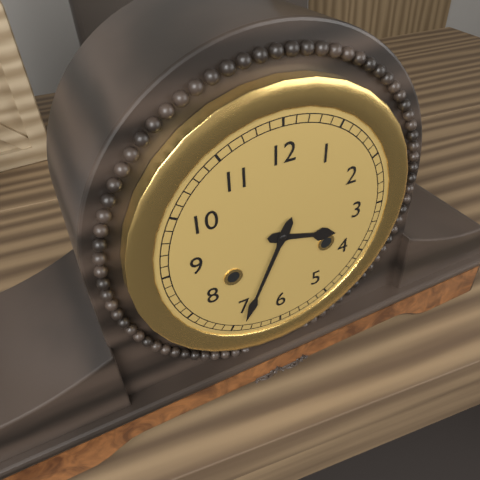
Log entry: {"hour": 3, "minute": 34}
